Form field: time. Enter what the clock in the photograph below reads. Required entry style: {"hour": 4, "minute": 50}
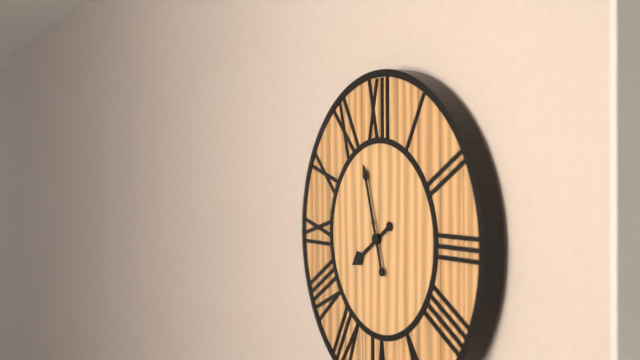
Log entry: {"hour": 7, "minute": 57}
